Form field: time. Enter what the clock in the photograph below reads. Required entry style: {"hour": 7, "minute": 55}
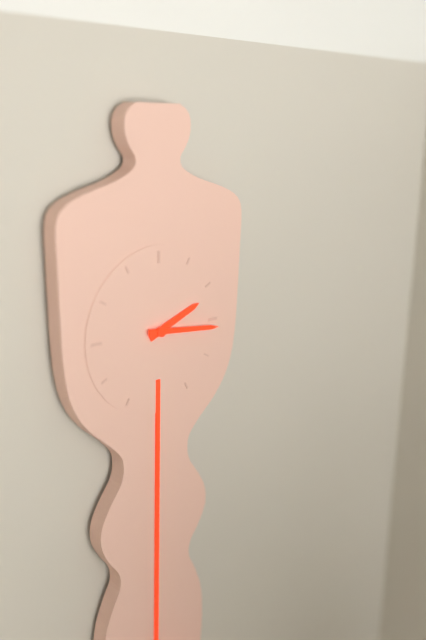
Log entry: {"hour": 2, "minute": 16}
